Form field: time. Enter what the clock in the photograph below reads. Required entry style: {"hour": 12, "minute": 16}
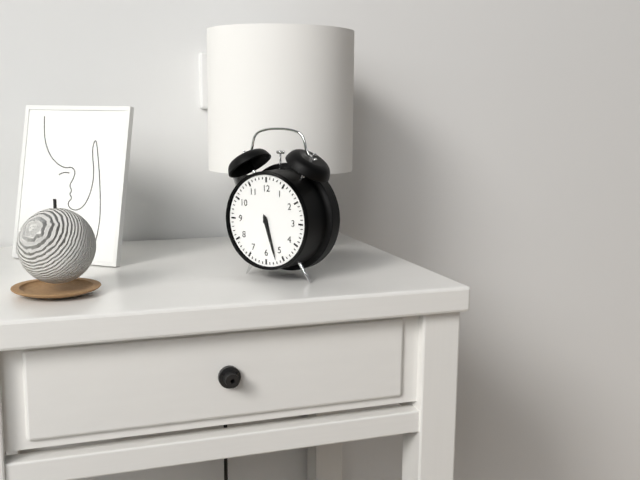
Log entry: {"hour": 5, "minute": 27}
